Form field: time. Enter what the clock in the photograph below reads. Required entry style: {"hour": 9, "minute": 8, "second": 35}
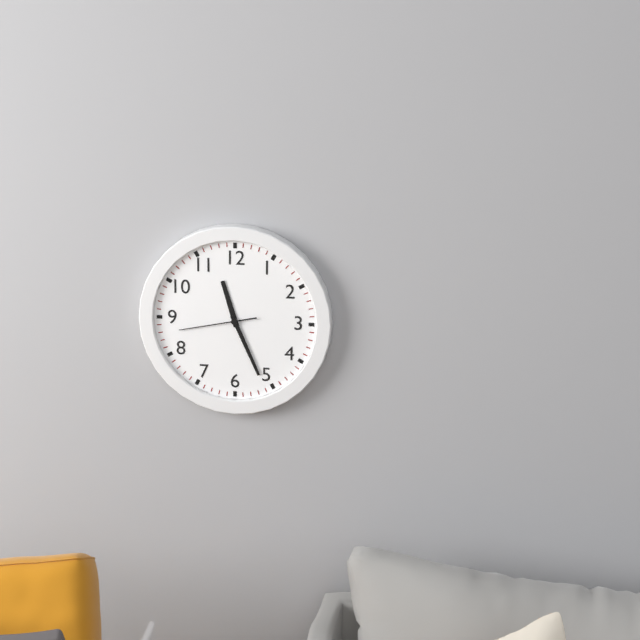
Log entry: {"hour": 11, "minute": 26, "second": 43}
